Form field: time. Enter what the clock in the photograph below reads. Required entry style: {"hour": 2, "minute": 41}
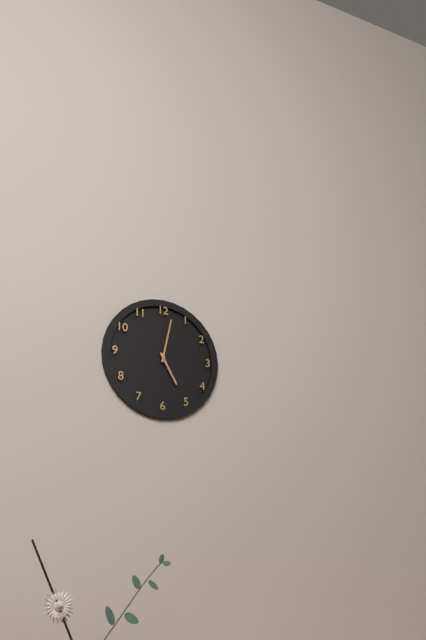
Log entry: {"hour": 5, "minute": 2}
